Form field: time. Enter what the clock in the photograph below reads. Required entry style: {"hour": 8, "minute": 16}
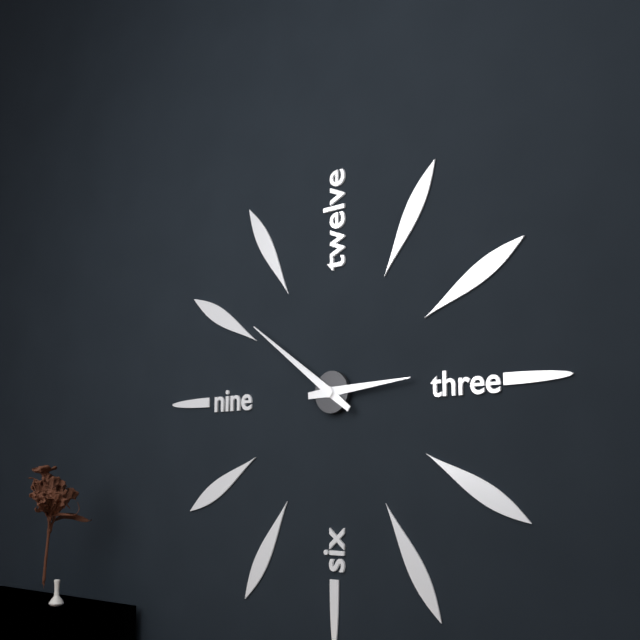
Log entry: {"hour": 2, "minute": 51}
